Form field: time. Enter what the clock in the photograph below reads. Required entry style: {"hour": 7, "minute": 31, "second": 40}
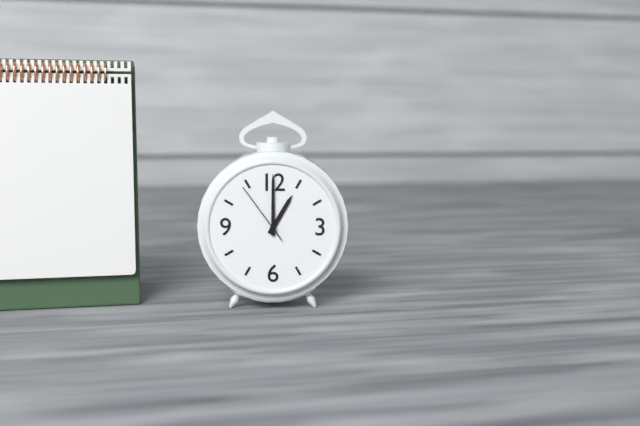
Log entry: {"hour": 1, "minute": 0, "second": 54}
